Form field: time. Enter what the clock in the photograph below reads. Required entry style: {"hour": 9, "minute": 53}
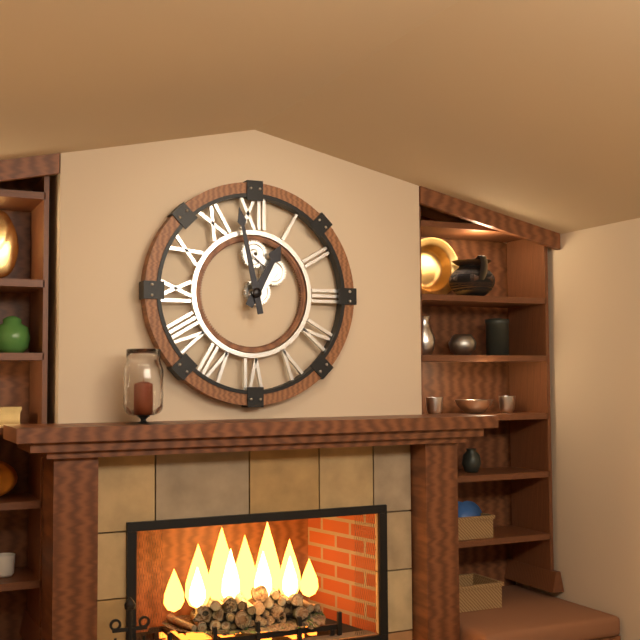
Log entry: {"hour": 12, "minute": 58}
